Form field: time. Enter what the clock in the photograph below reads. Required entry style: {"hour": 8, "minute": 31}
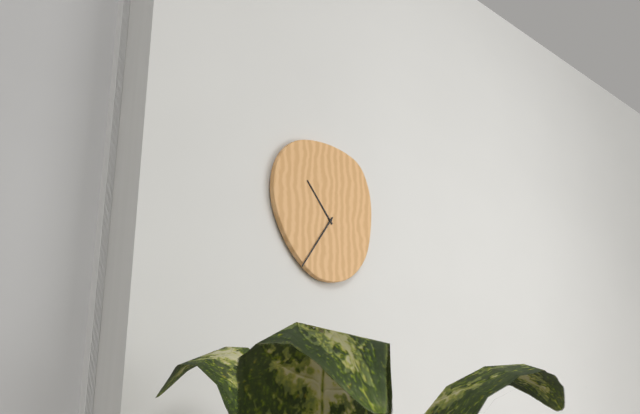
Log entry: {"hour": 10, "minute": 36}
